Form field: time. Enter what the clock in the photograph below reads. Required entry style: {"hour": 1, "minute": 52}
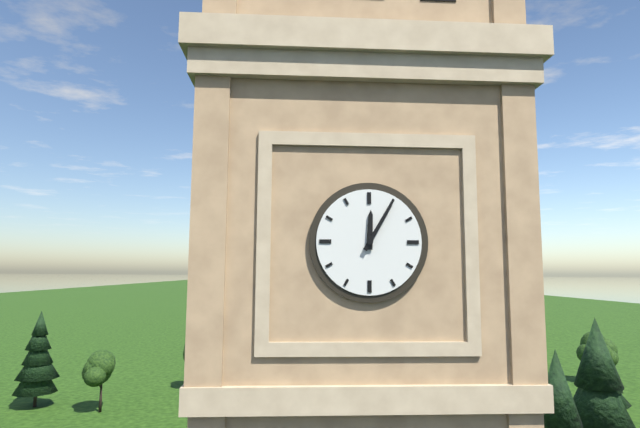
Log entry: {"hour": 12, "minute": 5}
